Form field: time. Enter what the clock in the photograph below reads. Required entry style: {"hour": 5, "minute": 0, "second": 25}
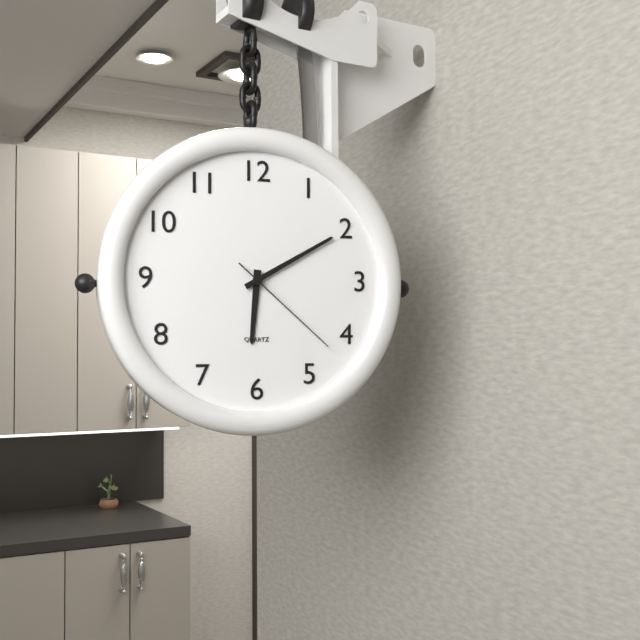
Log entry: {"hour": 6, "minute": 10, "second": 22}
